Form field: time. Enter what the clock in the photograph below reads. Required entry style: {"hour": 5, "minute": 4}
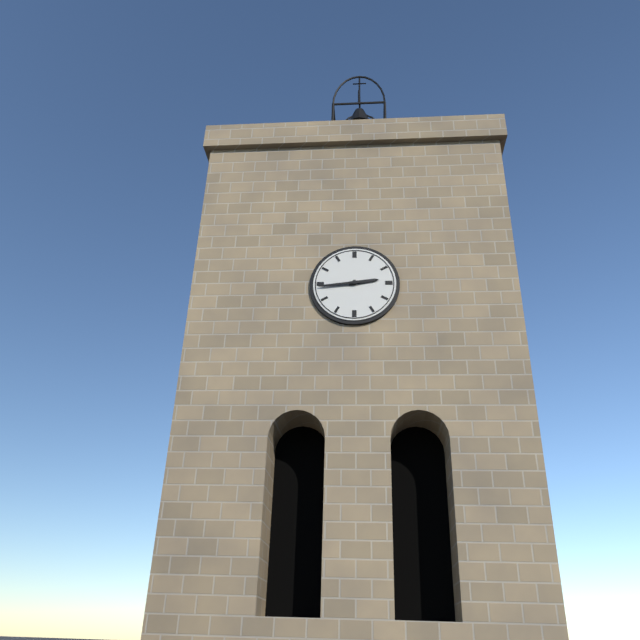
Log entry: {"hour": 2, "minute": 44}
